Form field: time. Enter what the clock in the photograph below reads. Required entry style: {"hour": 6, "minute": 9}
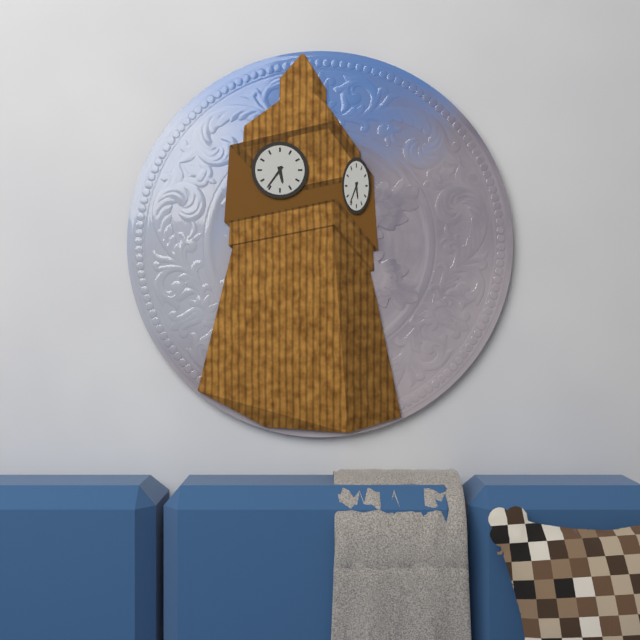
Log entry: {"hour": 5, "minute": 36}
